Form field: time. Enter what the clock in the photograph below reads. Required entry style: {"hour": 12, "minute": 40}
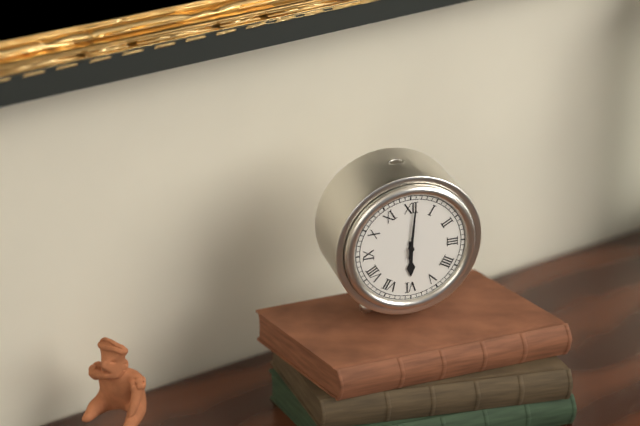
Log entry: {"hour": 6, "minute": 1}
